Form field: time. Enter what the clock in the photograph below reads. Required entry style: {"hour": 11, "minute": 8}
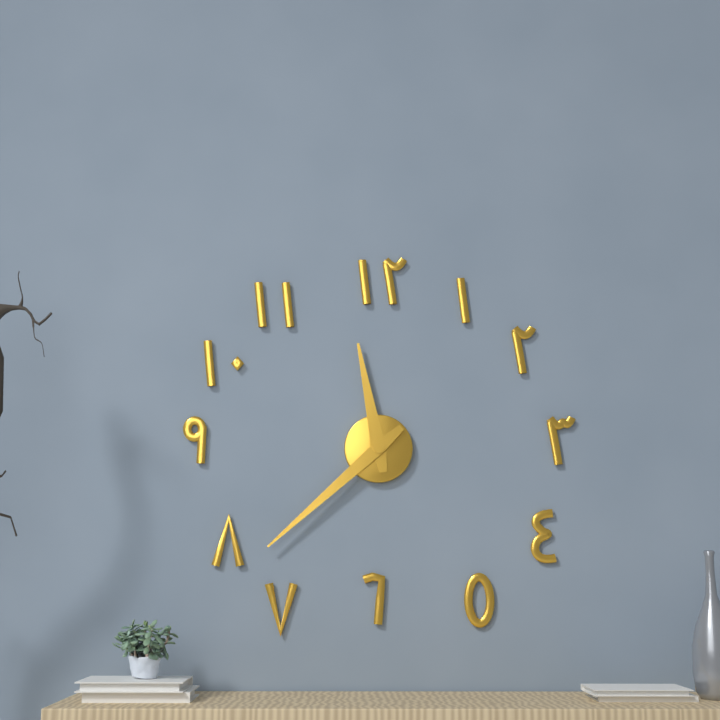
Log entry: {"hour": 11, "minute": 38}
